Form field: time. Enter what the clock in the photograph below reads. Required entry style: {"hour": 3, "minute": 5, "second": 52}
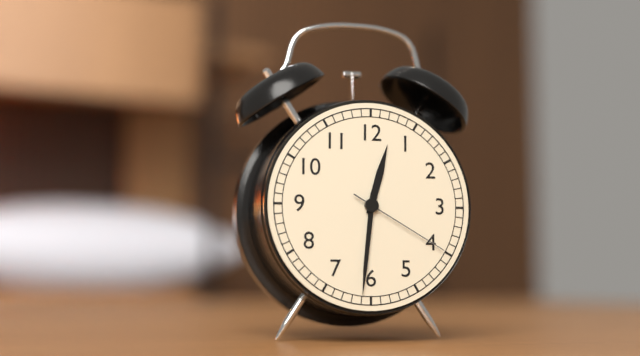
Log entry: {"hour": 12, "minute": 31, "second": 20}
